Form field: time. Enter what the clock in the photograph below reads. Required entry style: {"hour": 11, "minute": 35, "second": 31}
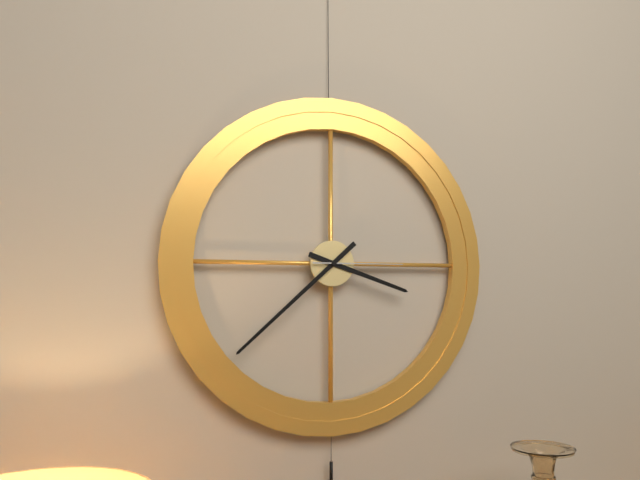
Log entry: {"hour": 3, "minute": 38, "second": 15}
